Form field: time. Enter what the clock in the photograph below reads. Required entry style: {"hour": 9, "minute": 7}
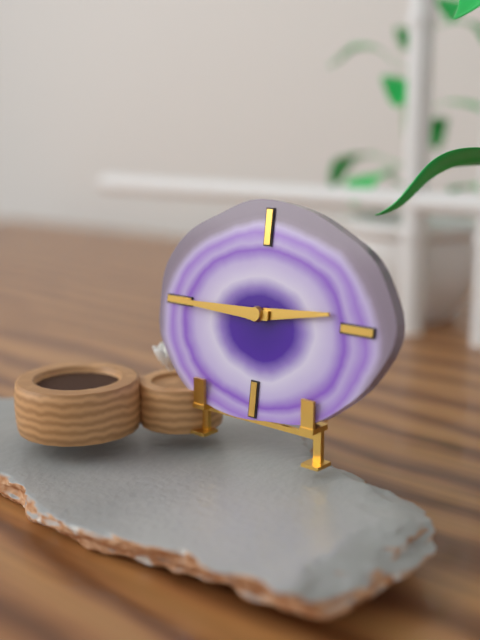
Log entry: {"hour": 2, "minute": 45}
